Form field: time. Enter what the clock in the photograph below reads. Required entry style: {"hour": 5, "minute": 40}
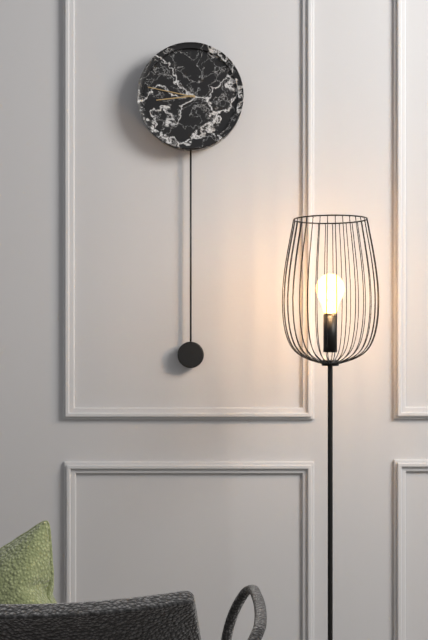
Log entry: {"hour": 8, "minute": 47}
